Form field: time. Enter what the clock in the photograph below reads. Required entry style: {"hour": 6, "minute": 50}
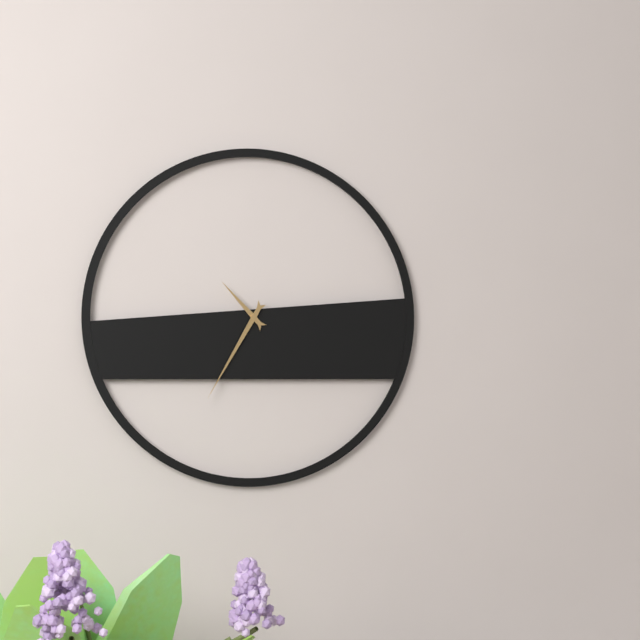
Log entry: {"hour": 10, "minute": 35}
